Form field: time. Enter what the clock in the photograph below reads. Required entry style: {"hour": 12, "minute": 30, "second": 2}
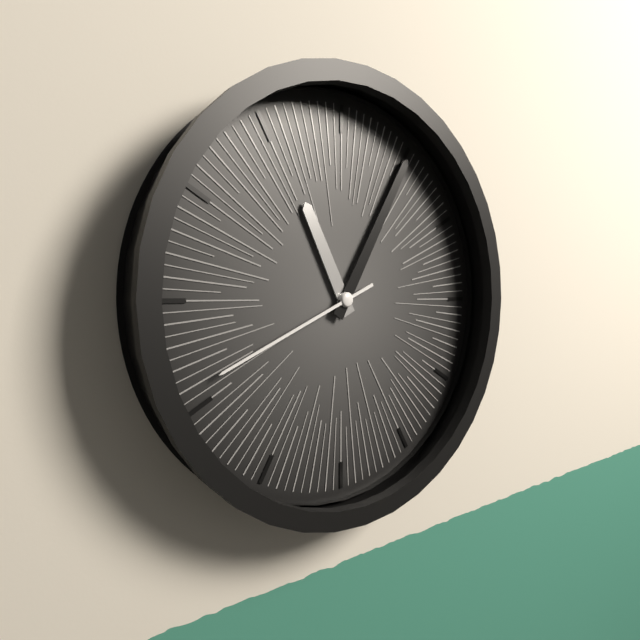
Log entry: {"hour": 11, "minute": 5, "second": 41}
